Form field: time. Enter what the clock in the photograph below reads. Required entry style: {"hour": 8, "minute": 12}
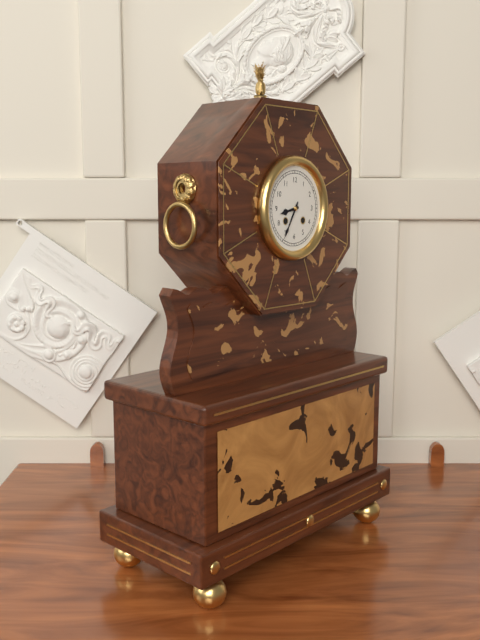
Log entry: {"hour": 8, "minute": 35}
